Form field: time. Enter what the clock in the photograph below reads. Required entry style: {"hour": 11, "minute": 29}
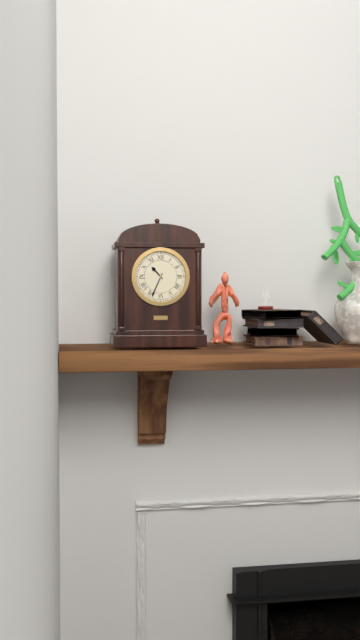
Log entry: {"hour": 10, "minute": 34}
